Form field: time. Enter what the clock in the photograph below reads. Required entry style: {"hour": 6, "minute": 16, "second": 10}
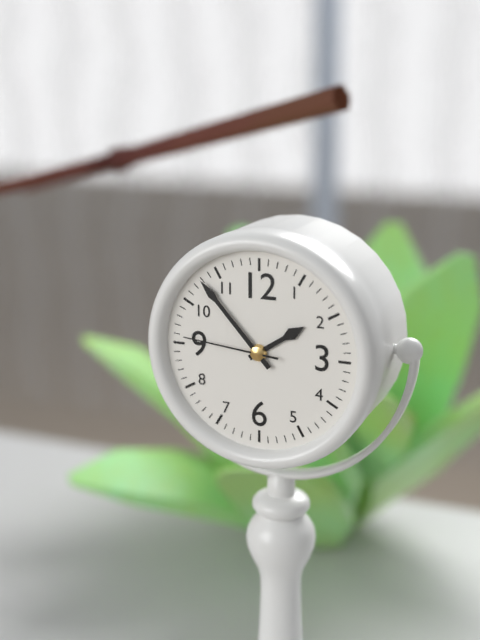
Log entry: {"hour": 1, "minute": 53, "second": 46}
